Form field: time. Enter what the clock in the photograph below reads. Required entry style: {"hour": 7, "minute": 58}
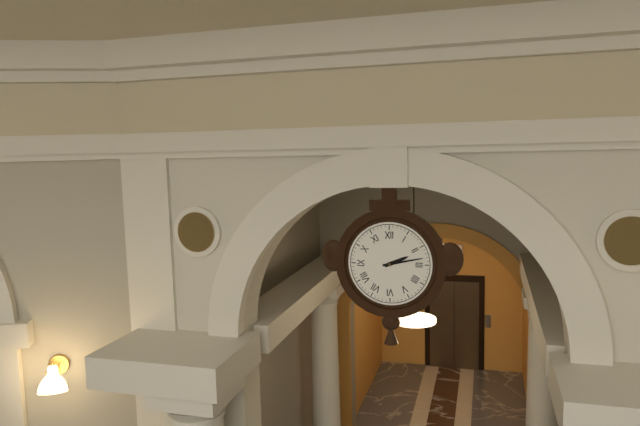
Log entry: {"hour": 2, "minute": 13}
